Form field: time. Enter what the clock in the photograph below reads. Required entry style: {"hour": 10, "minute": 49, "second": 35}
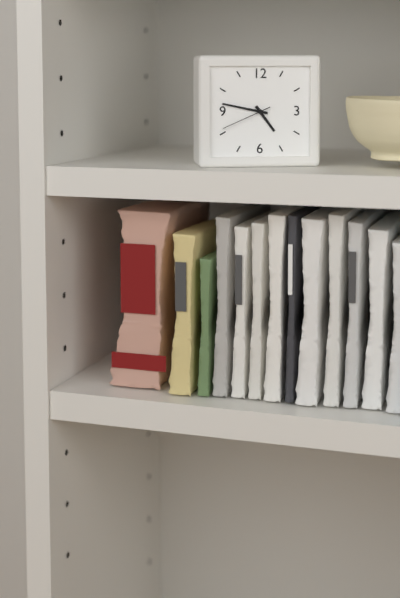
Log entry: {"hour": 4, "minute": 47, "second": 41}
